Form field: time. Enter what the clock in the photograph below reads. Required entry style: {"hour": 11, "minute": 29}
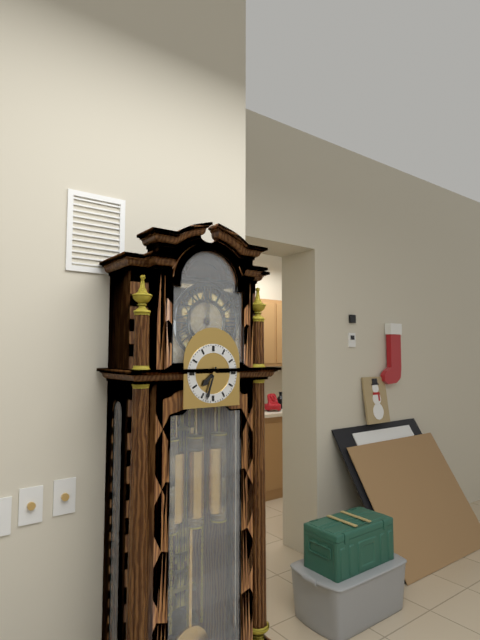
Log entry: {"hour": 7, "minute": 33}
